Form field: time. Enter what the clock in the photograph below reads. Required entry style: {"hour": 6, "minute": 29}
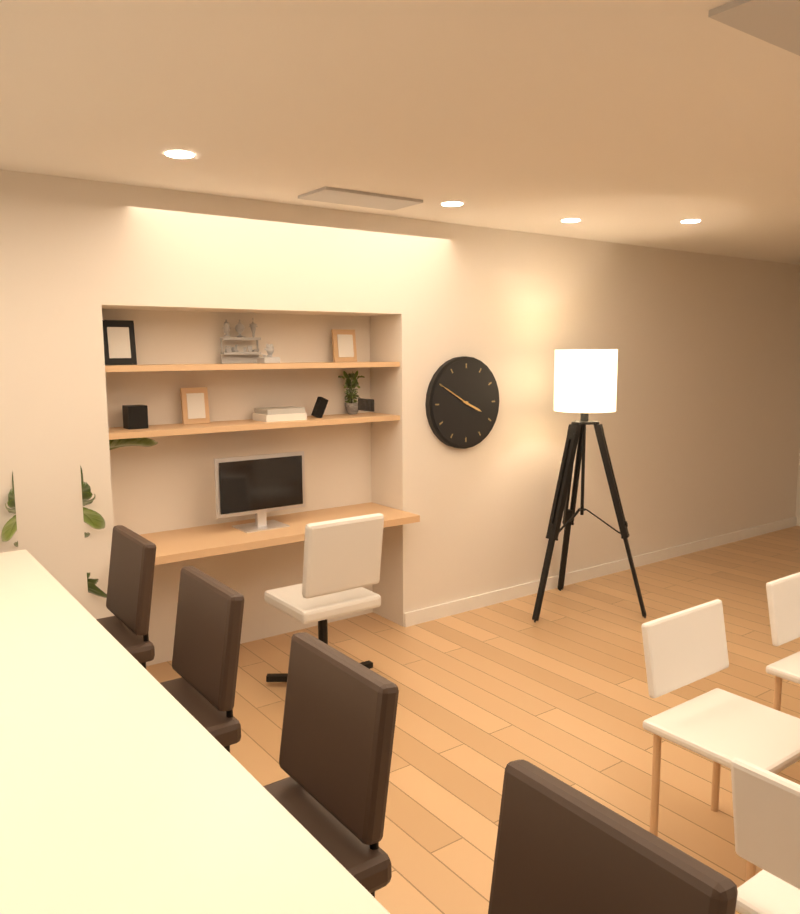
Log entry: {"hour": 3, "minute": 50}
